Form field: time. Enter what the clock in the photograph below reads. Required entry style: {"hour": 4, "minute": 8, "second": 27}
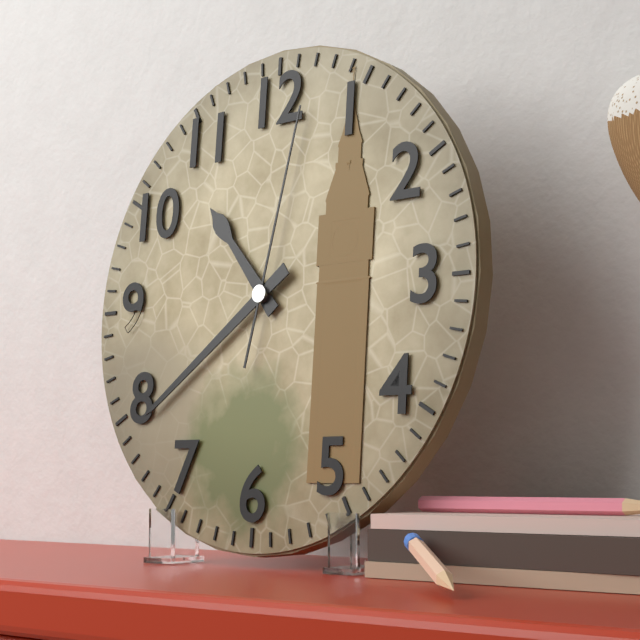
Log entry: {"hour": 10, "minute": 39, "second": 2}
